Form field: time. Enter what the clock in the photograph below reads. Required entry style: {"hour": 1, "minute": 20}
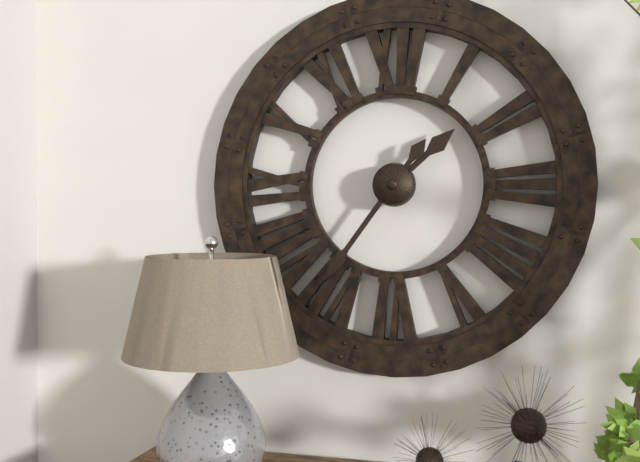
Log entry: {"hour": 1, "minute": 36}
